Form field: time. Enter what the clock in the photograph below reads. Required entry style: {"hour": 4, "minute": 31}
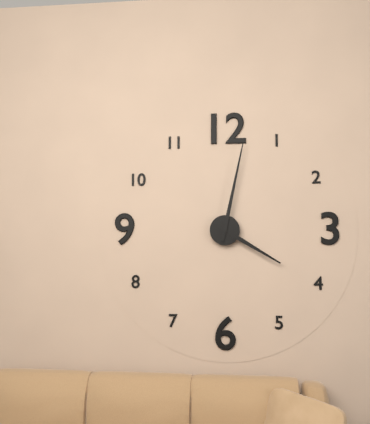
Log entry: {"hour": 4, "minute": 2}
